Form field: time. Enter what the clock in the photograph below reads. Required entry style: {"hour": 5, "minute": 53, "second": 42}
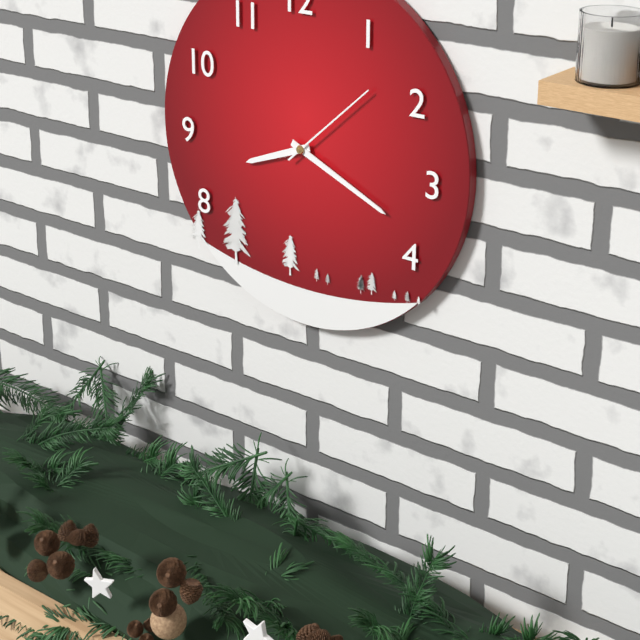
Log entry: {"hour": 8, "minute": 19, "second": 8}
